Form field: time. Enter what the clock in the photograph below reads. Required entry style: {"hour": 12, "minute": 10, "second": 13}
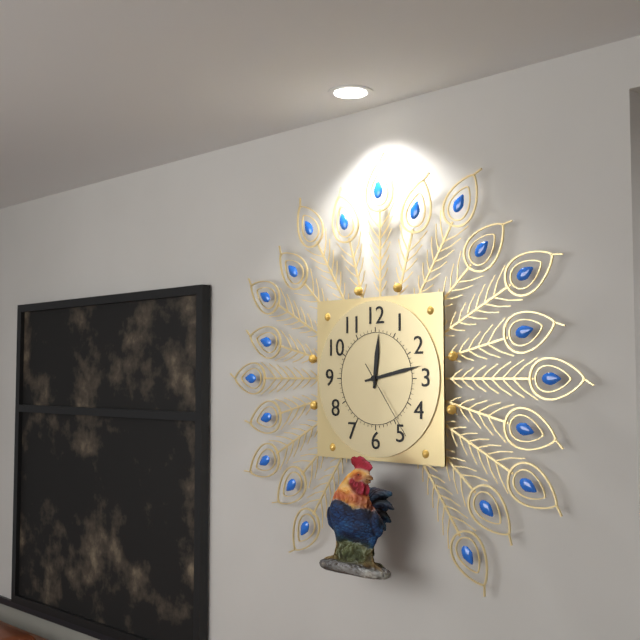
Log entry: {"hour": 12, "minute": 13, "second": 24}
